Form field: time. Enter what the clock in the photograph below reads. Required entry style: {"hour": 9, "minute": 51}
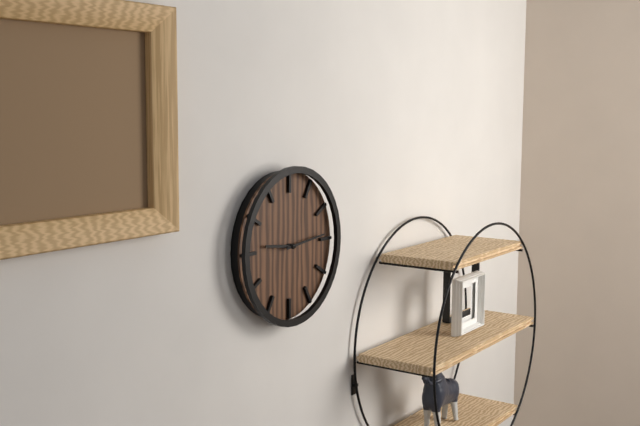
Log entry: {"hour": 9, "minute": 14}
